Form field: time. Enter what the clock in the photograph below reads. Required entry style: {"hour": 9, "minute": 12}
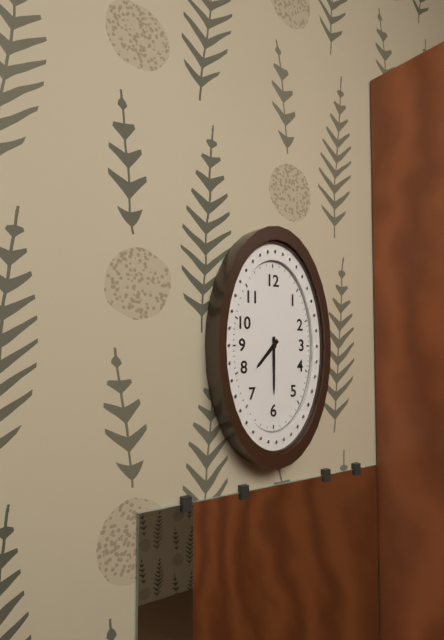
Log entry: {"hour": 7, "minute": 30}
